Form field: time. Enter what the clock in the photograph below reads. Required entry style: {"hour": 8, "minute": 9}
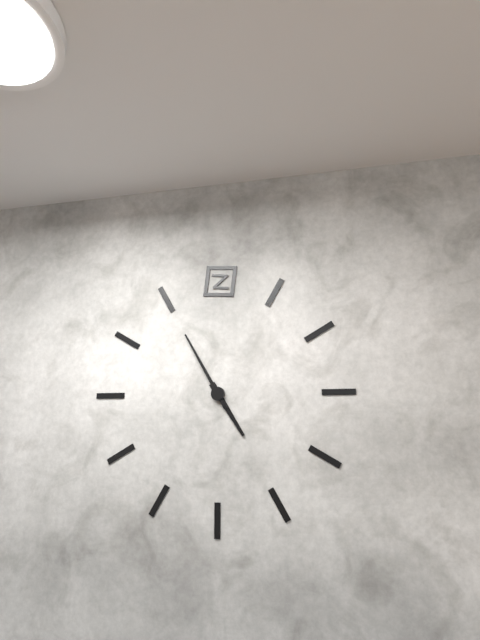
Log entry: {"hour": 4, "minute": 55}
